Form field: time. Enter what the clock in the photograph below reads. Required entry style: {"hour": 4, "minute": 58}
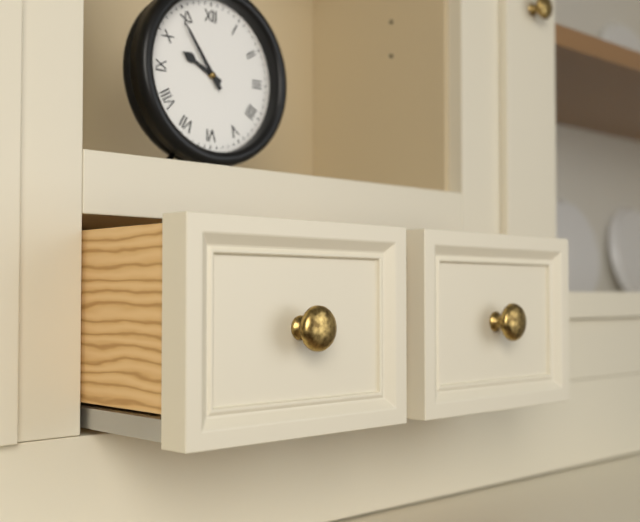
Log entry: {"hour": 9, "minute": 54}
